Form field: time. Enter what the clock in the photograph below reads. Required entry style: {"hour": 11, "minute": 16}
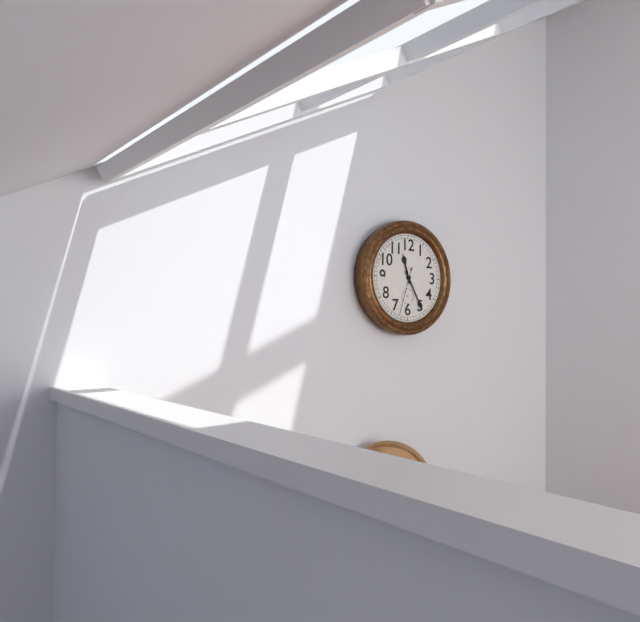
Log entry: {"hour": 11, "minute": 25}
